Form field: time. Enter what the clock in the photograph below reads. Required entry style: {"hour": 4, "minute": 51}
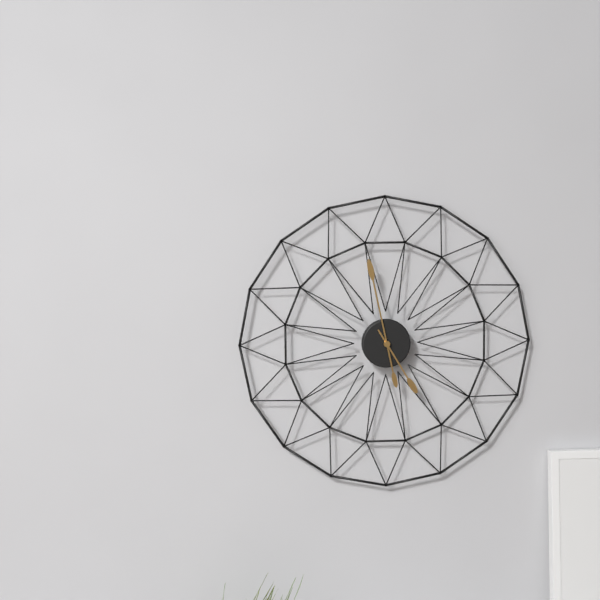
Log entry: {"hour": 4, "minute": 58}
